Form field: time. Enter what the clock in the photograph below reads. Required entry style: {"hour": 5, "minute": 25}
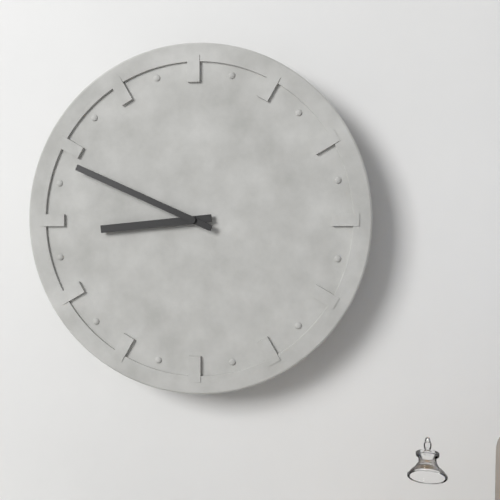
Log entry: {"hour": 8, "minute": 49}
